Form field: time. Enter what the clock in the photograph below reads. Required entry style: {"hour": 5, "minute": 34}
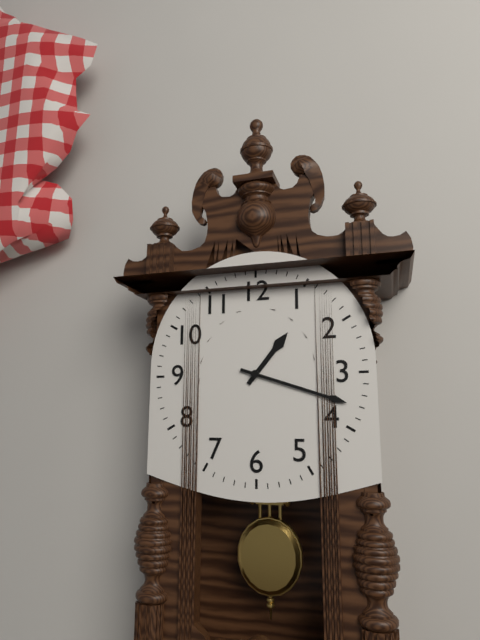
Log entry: {"hour": 1, "minute": 18}
